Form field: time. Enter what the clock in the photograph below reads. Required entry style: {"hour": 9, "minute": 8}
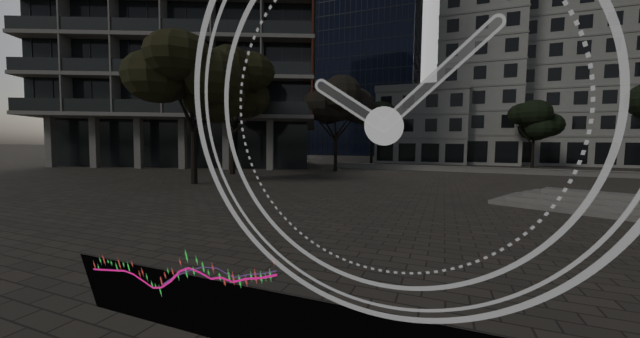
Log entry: {"hour": 10, "minute": 8}
